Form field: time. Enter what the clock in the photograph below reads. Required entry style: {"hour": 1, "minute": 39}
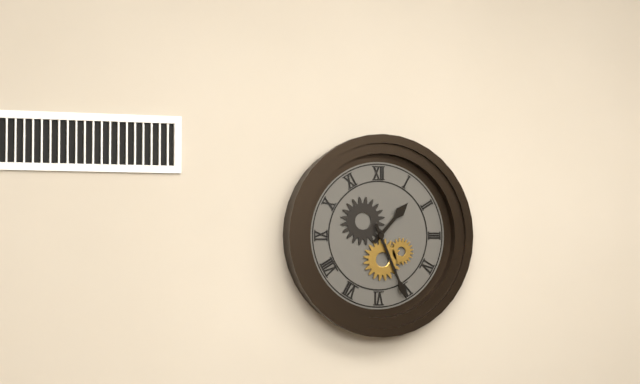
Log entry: {"hour": 1, "minute": 26}
